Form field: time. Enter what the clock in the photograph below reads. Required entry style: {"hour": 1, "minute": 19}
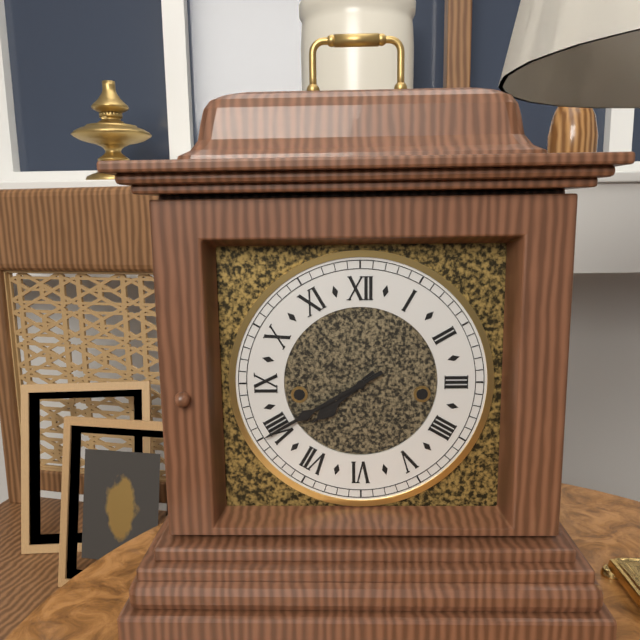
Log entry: {"hour": 7, "minute": 40}
